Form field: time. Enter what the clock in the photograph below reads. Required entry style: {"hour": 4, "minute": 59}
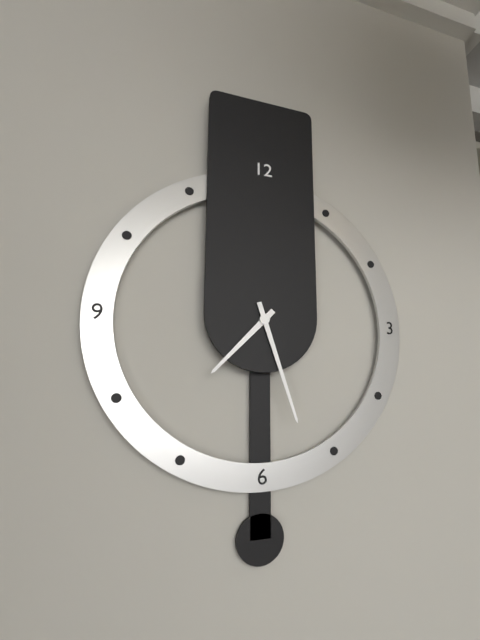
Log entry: {"hour": 7, "minute": 27}
